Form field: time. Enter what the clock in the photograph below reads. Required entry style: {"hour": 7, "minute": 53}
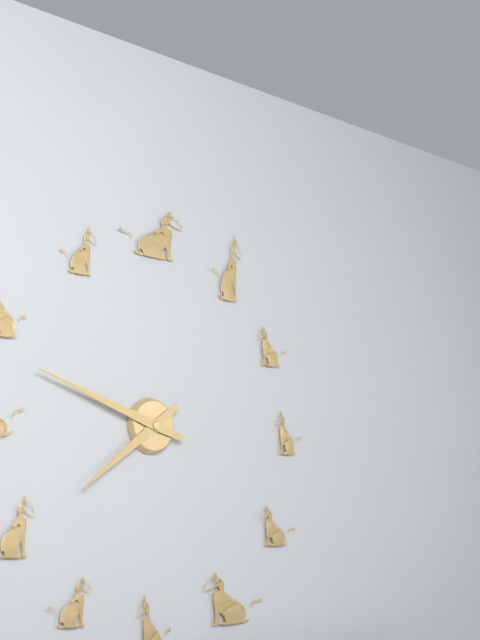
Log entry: {"hour": 7, "minute": 48}
